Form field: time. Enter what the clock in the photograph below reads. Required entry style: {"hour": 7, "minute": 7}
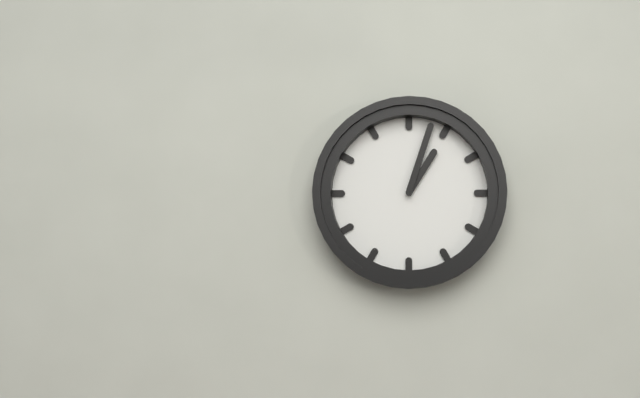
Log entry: {"hour": 1, "minute": 3}
